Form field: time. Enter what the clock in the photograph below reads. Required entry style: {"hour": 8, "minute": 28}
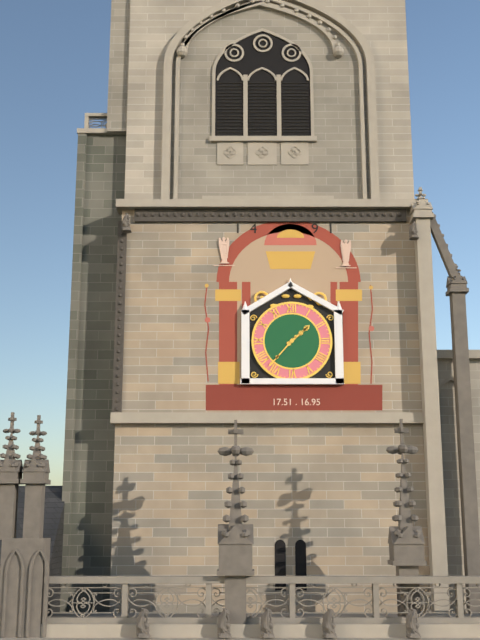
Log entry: {"hour": 1, "minute": 37}
